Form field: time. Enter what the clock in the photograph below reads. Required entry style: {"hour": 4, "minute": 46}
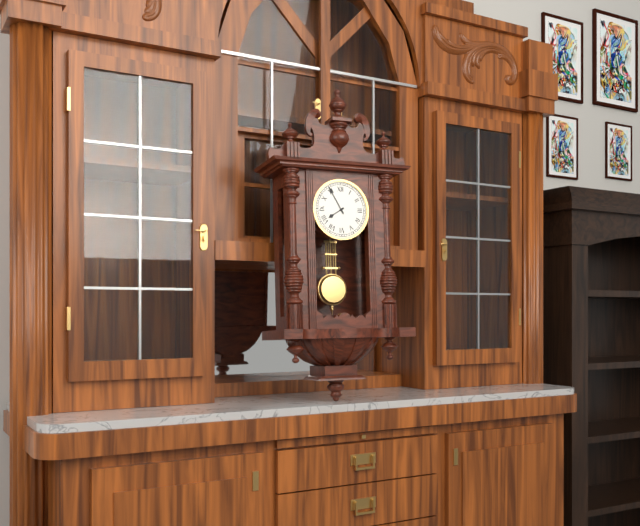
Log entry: {"hour": 7, "minute": 55}
